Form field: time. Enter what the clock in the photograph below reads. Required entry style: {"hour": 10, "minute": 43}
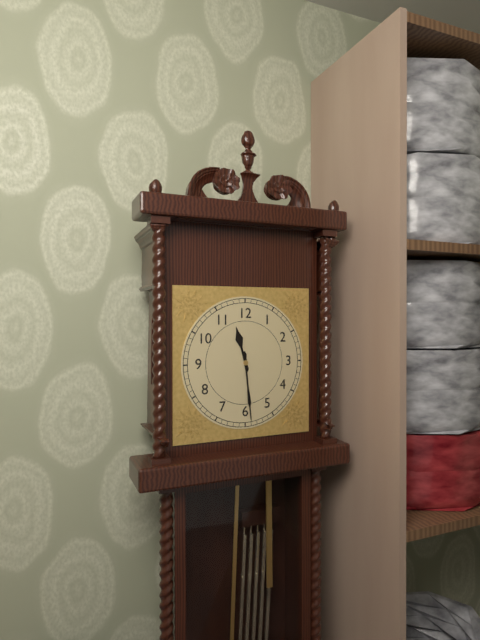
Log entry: {"hour": 11, "minute": 29}
